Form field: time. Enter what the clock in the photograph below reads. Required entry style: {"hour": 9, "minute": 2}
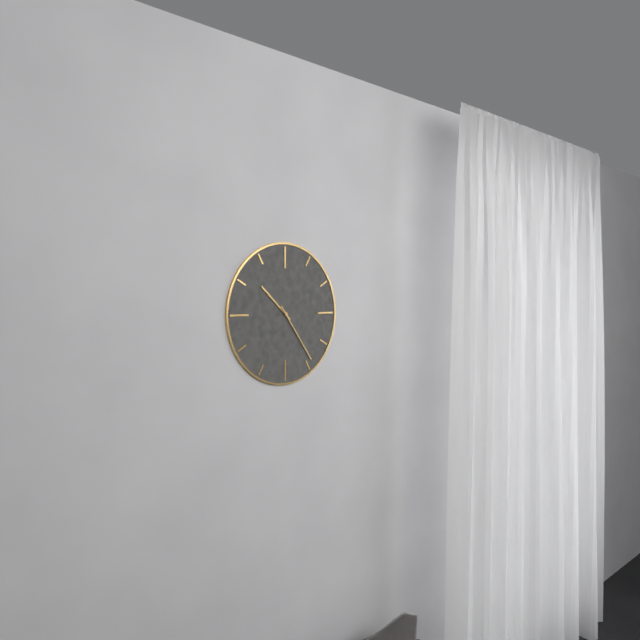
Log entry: {"hour": 10, "minute": 24}
